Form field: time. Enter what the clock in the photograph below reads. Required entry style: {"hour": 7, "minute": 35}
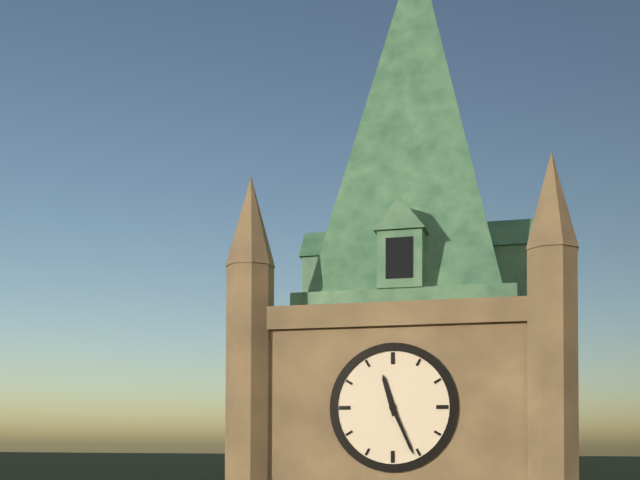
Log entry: {"hour": 11, "minute": 26}
